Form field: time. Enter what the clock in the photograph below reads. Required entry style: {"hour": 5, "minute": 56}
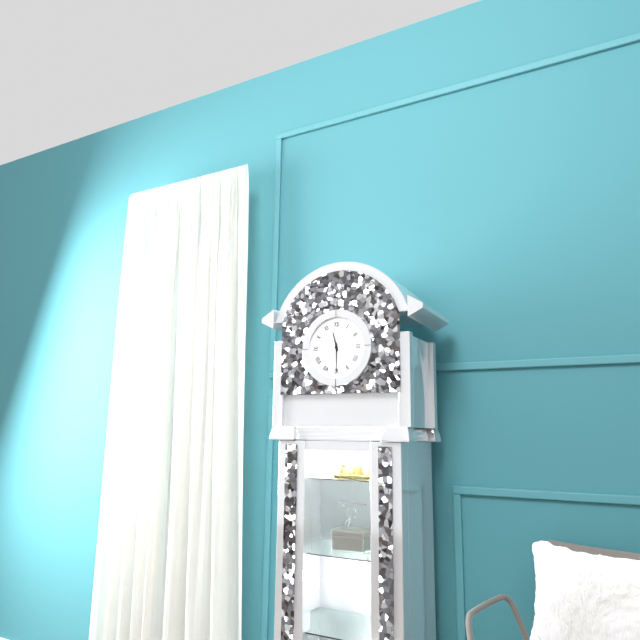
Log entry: {"hour": 11, "minute": 30}
